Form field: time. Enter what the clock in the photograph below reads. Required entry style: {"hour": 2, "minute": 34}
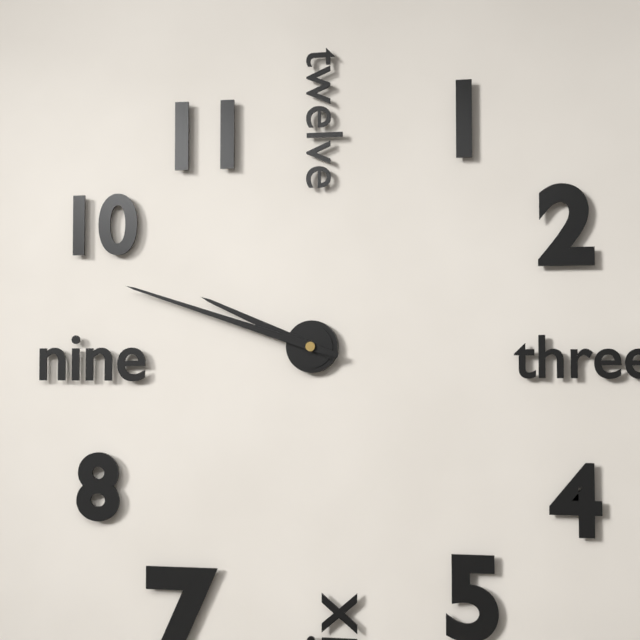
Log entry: {"hour": 9, "minute": 48}
